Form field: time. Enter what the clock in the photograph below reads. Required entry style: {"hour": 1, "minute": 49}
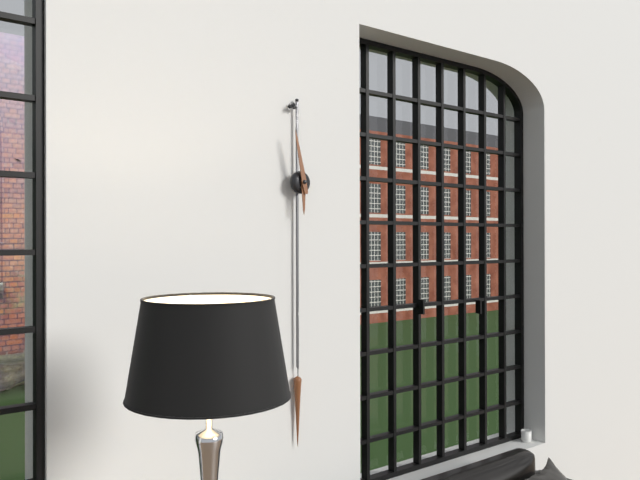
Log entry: {"hour": 5, "minute": 58}
